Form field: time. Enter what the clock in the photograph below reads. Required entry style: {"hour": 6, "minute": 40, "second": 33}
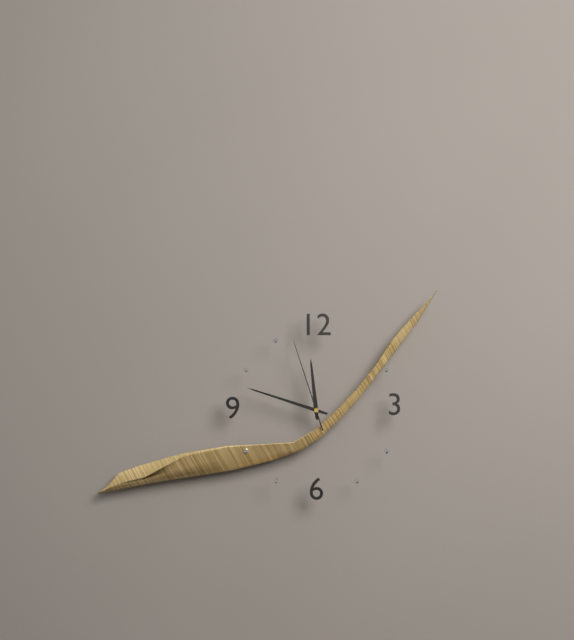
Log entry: {"hour": 11, "minute": 48, "second": 57}
